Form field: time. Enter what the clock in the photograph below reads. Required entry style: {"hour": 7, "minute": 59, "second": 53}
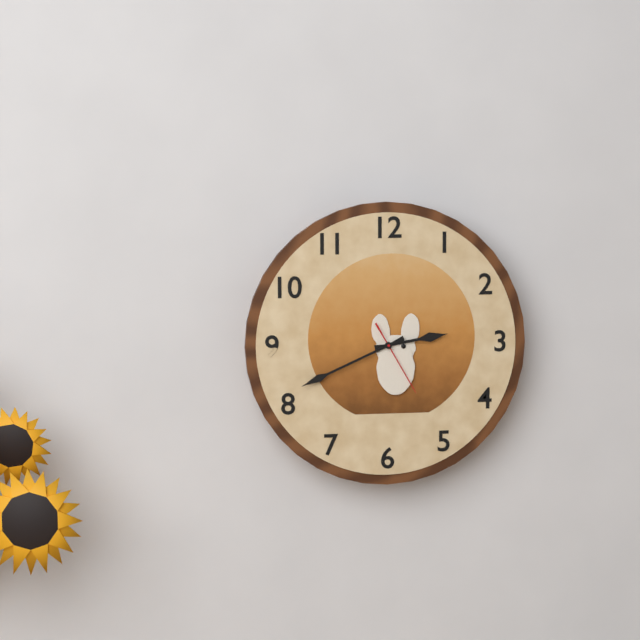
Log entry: {"hour": 2, "minute": 41, "second": 25}
